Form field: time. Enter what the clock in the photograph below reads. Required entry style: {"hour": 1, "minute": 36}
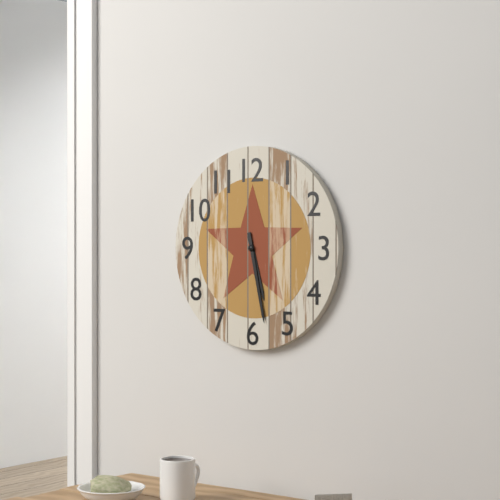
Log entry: {"hour": 5, "minute": 28}
